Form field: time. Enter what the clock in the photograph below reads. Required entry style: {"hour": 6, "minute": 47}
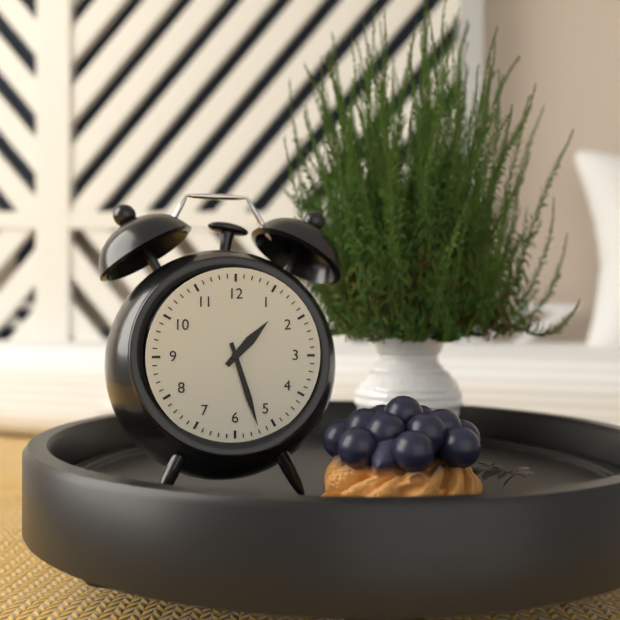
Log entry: {"hour": 1, "minute": 27}
